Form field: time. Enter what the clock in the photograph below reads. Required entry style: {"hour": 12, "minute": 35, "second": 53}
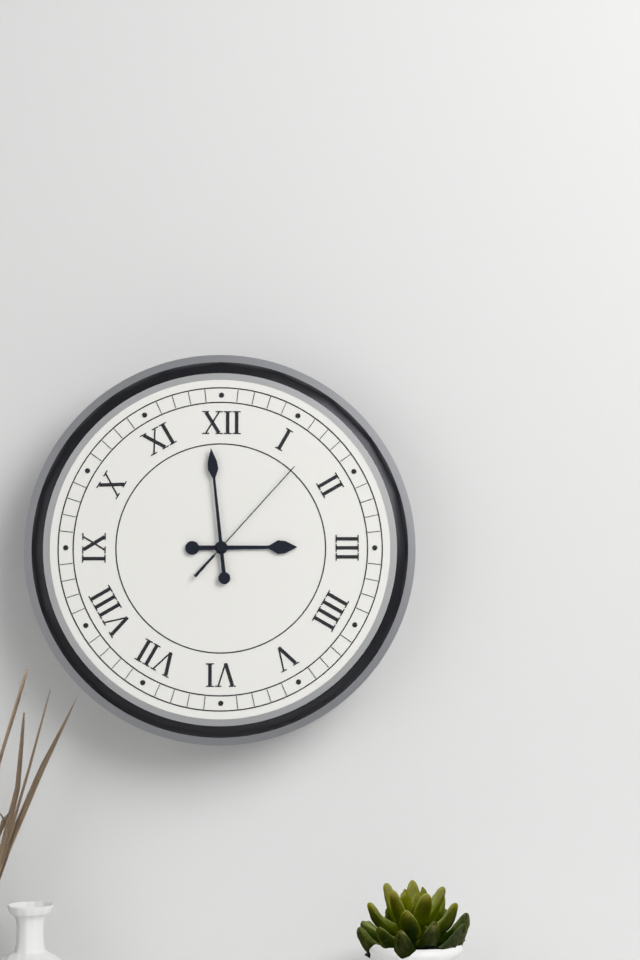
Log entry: {"hour": 2, "minute": 59, "second": 7}
